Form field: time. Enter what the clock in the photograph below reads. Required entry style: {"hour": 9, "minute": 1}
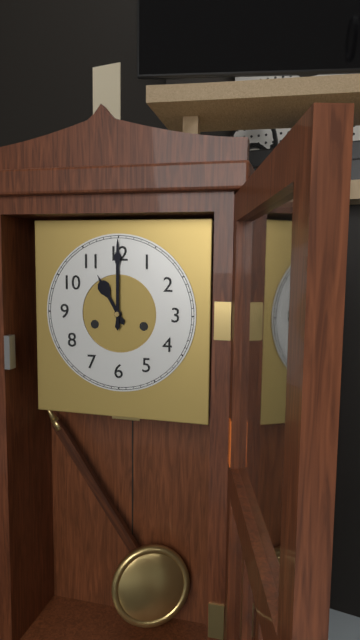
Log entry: {"hour": 11, "minute": 0}
